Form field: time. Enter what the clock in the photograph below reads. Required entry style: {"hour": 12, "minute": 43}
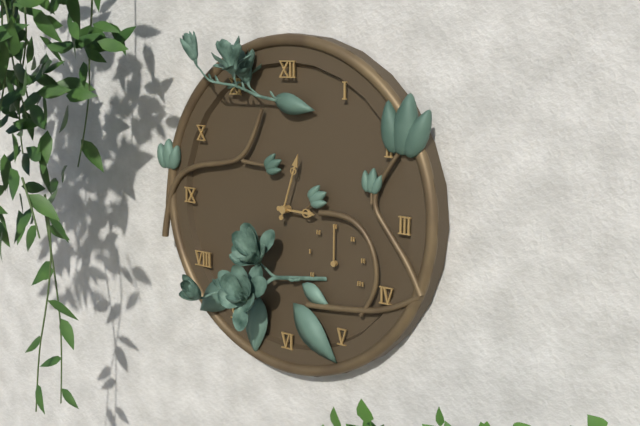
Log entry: {"hour": 3, "minute": 3}
